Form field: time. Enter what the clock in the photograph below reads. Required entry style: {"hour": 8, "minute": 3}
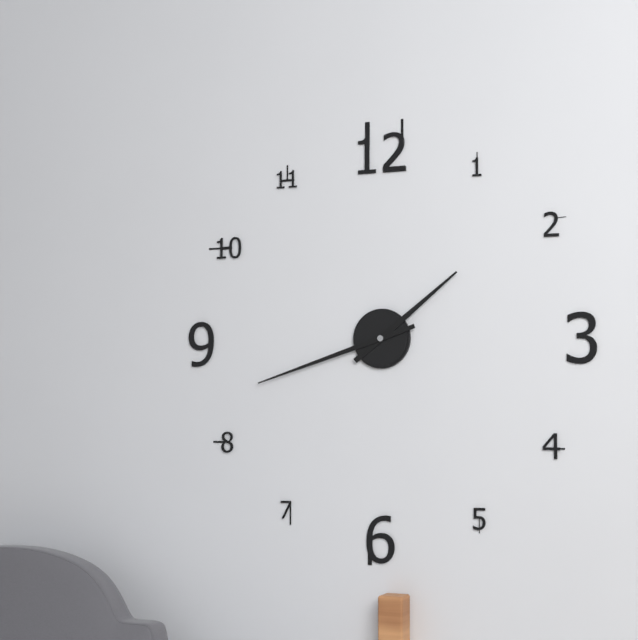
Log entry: {"hour": 1, "minute": 42}
